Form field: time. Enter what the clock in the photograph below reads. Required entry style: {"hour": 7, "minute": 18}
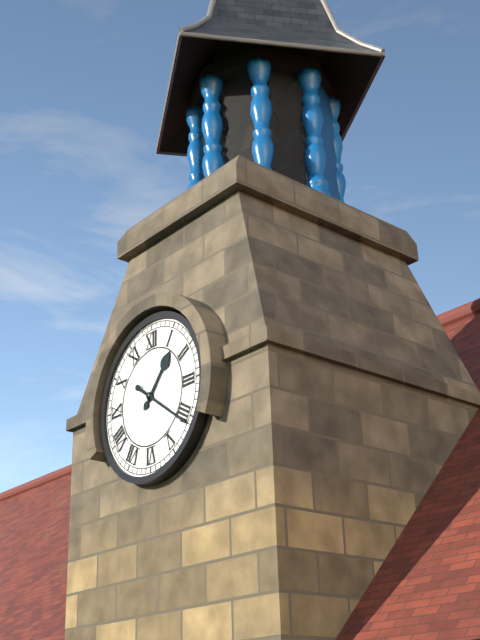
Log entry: {"hour": 1, "minute": 21}
